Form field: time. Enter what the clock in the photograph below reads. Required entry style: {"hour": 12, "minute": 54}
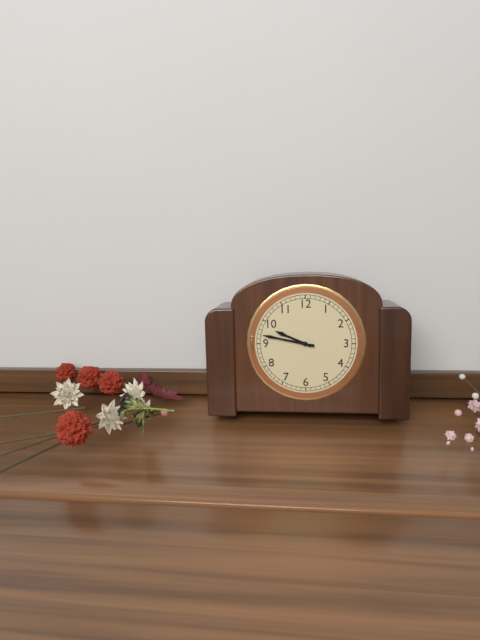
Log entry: {"hour": 9, "minute": 47}
